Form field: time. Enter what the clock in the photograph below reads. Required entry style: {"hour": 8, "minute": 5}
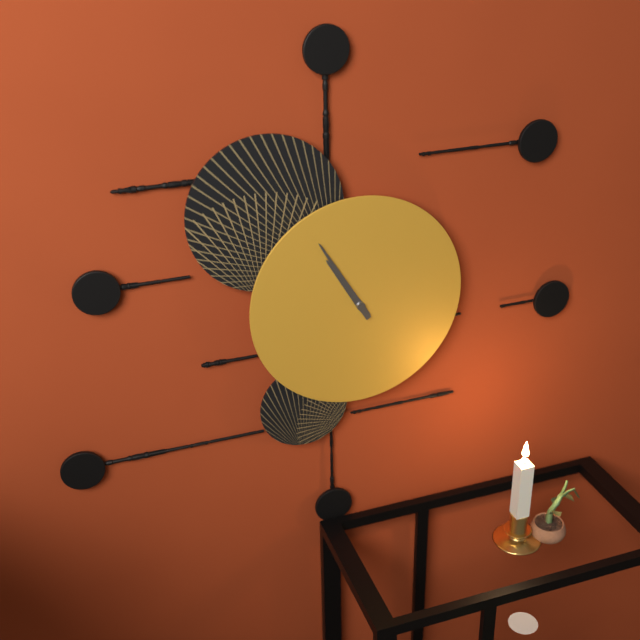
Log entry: {"hour": 10, "minute": 55}
